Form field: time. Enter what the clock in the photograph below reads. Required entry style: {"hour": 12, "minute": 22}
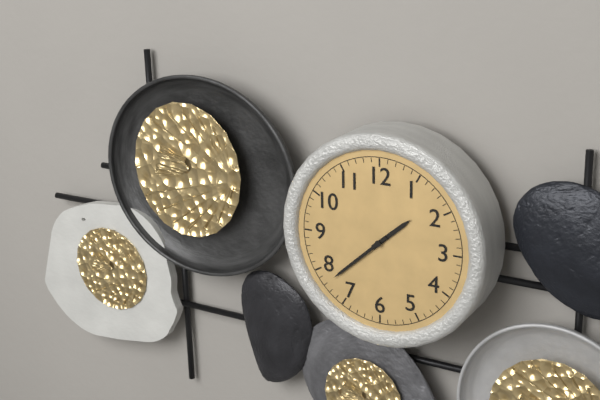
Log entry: {"hour": 1, "minute": 38}
